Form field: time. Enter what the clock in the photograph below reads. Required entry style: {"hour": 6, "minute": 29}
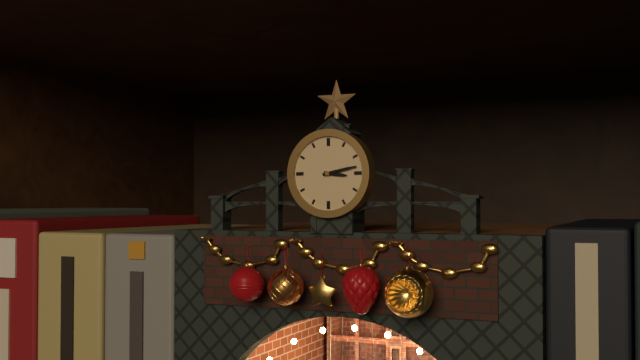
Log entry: {"hour": 3, "minute": 13}
